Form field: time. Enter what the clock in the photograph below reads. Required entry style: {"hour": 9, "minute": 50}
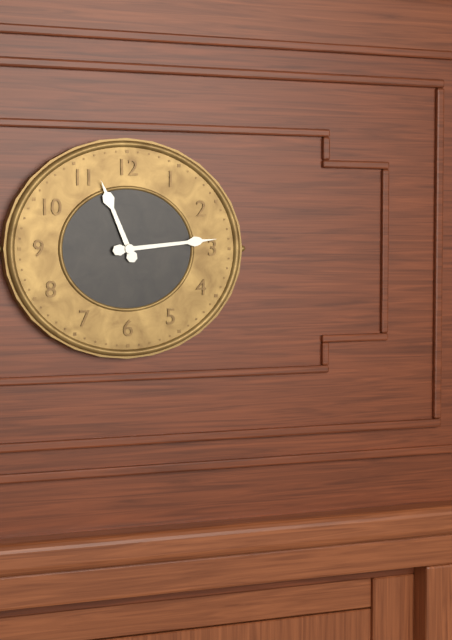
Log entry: {"hour": 11, "minute": 14}
